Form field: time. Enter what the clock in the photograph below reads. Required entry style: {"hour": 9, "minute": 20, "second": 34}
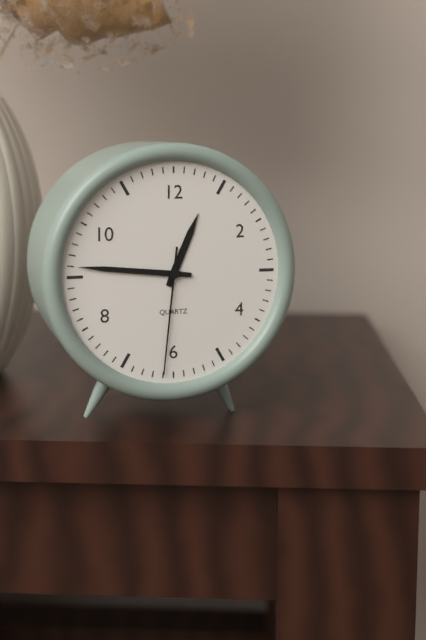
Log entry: {"hour": 12, "minute": 46, "second": 31}
